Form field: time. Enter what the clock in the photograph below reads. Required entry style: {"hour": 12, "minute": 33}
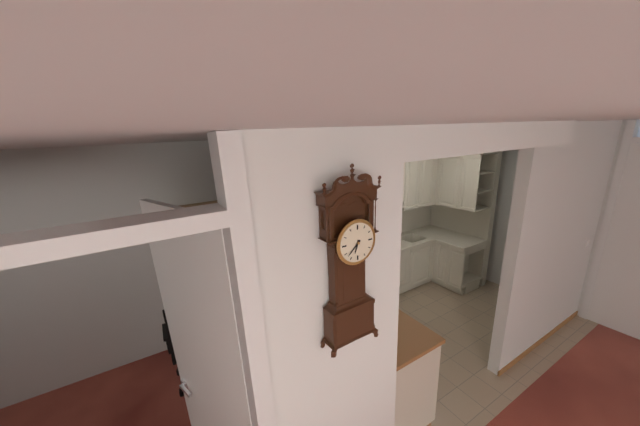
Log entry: {"hour": 6, "minute": 38}
